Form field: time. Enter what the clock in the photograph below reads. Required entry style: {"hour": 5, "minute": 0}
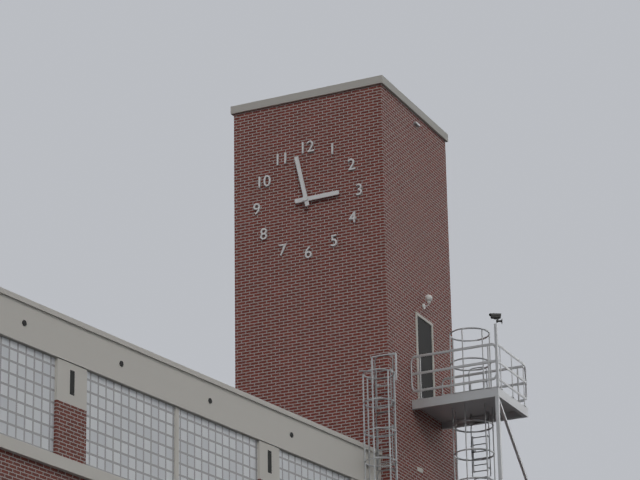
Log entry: {"hour": 2, "minute": 58}
